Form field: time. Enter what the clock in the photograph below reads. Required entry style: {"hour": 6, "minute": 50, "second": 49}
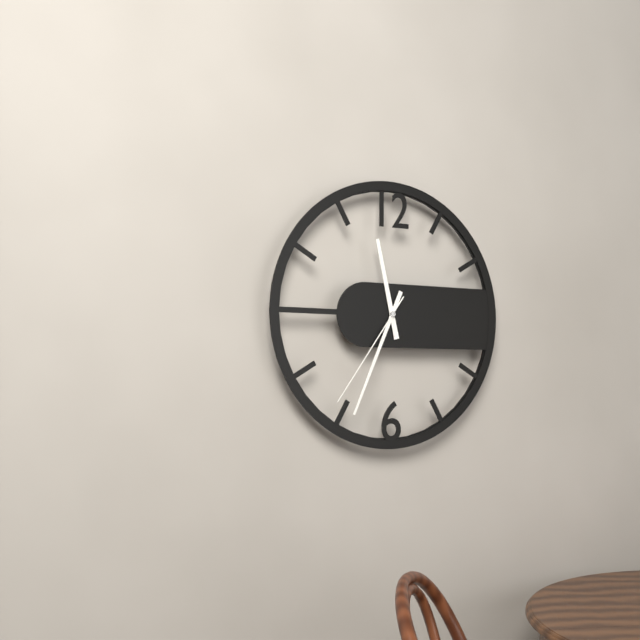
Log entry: {"hour": 11, "minute": 34, "second": 36}
